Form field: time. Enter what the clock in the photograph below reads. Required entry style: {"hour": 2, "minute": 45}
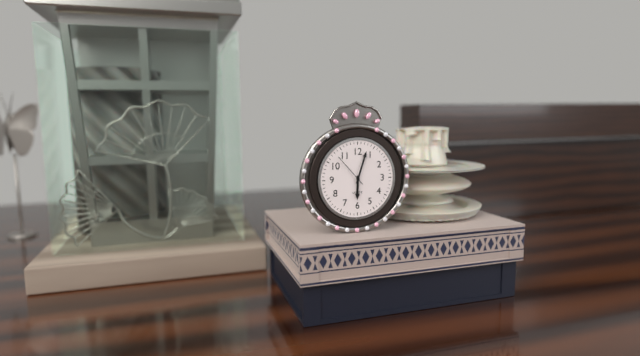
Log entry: {"hour": 6, "minute": 3}
